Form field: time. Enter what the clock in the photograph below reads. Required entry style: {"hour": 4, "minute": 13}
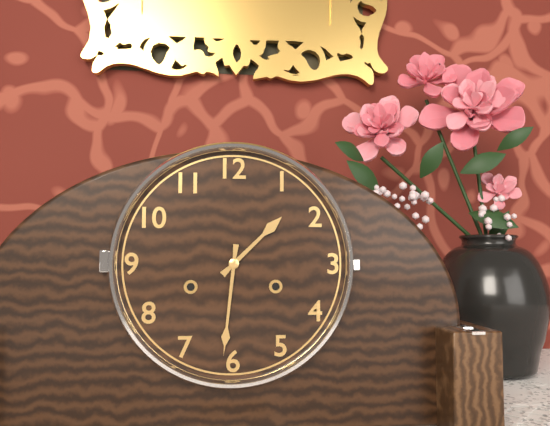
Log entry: {"hour": 1, "minute": 31}
